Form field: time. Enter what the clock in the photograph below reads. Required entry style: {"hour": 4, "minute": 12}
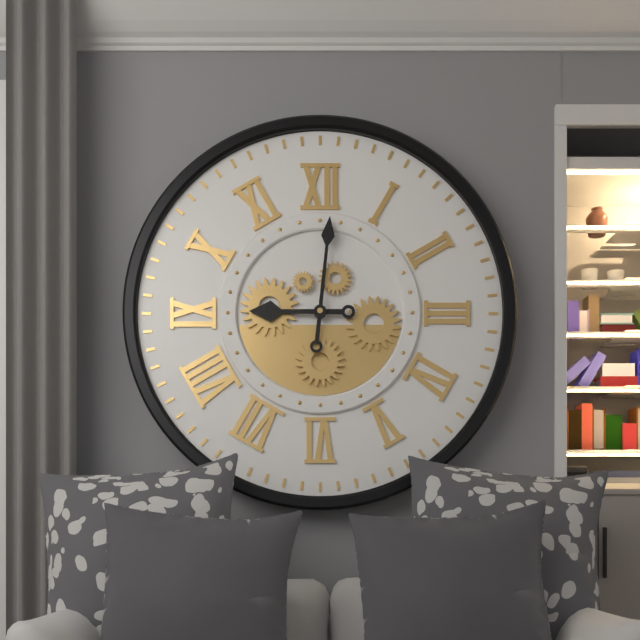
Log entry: {"hour": 9, "minute": 1}
